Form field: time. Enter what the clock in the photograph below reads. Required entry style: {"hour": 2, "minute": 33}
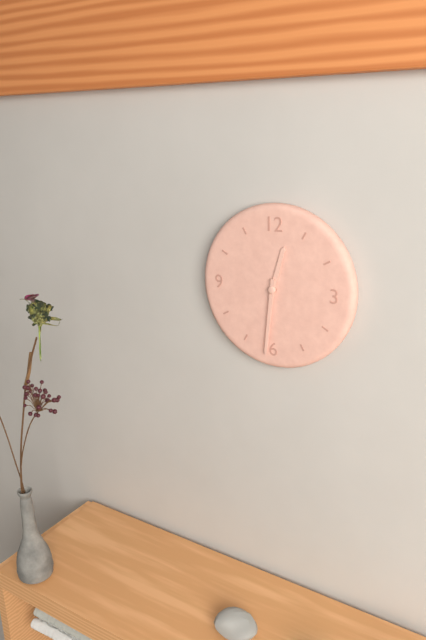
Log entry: {"hour": 12, "minute": 31}
